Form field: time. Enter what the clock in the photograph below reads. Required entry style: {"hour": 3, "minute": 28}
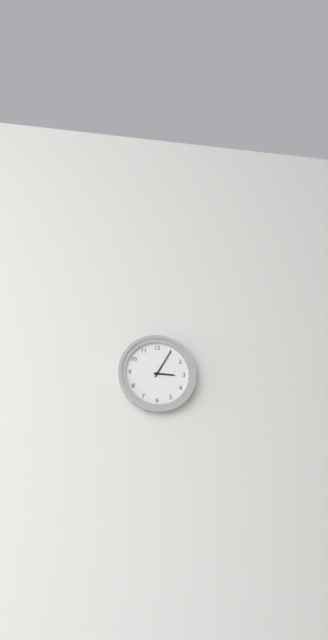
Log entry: {"hour": 3, "minute": 5}
